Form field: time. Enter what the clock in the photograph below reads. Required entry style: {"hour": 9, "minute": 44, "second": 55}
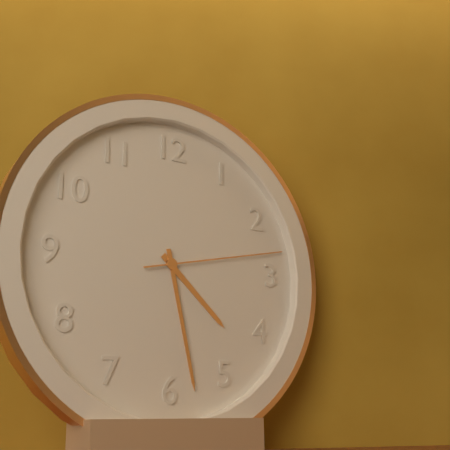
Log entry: {"hour": 4, "minute": 28, "second": 13}
